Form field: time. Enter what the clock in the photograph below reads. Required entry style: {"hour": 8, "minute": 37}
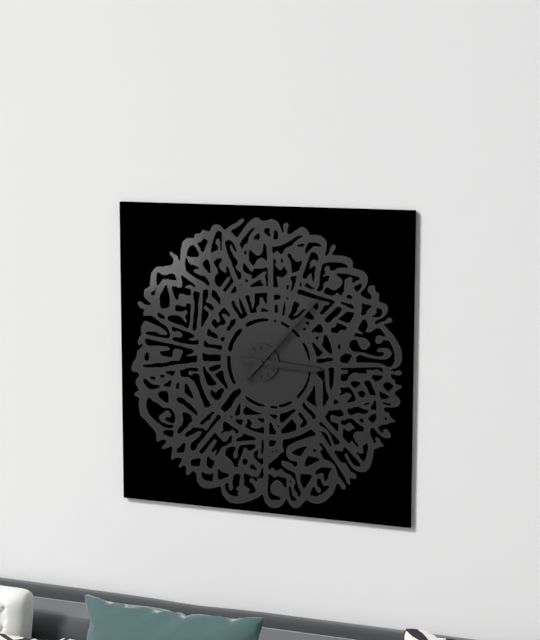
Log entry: {"hour": 3, "minute": 7}
